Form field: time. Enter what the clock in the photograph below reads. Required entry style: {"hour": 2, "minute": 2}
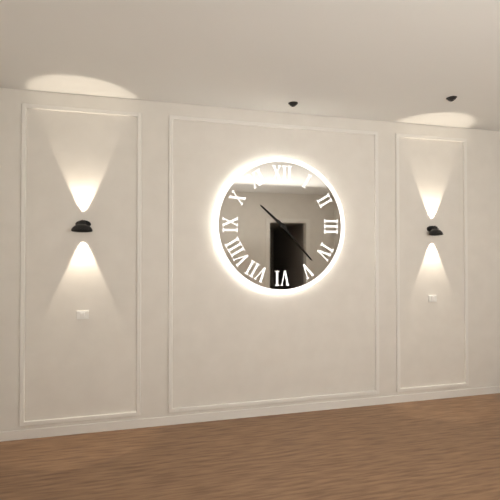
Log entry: {"hour": 10, "minute": 23}
